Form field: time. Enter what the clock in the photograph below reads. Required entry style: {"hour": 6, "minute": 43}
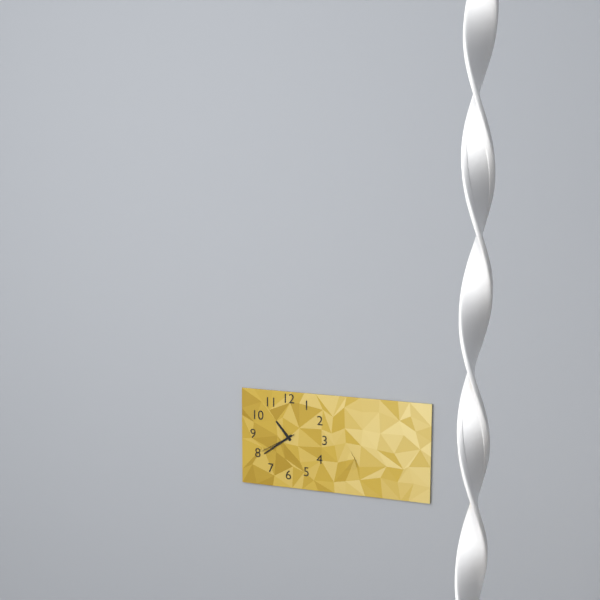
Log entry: {"hour": 10, "minute": 39}
